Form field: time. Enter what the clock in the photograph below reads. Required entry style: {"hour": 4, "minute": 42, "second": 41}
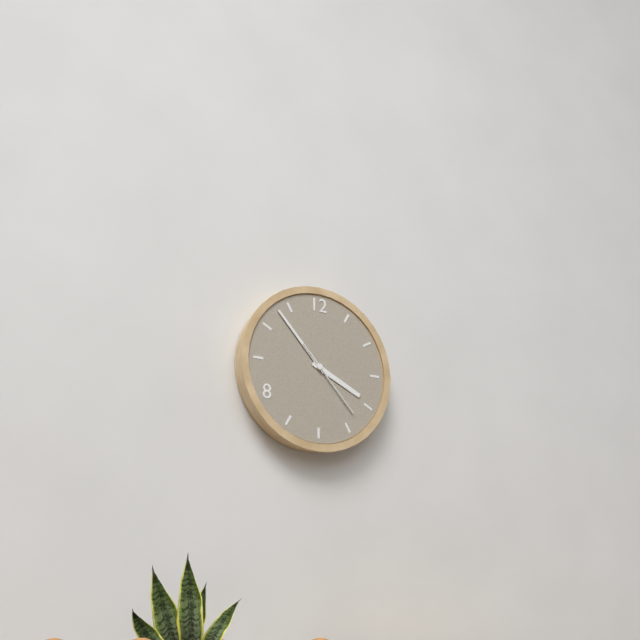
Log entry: {"hour": 3, "minute": 53, "second": 23}
